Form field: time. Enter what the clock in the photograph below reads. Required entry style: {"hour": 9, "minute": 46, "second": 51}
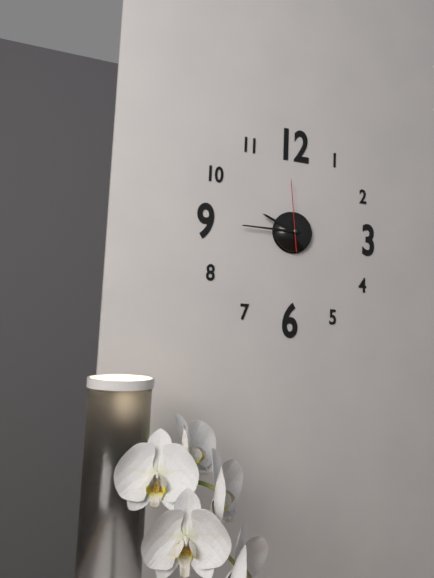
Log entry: {"hour": 9, "minute": 45, "second": 59}
